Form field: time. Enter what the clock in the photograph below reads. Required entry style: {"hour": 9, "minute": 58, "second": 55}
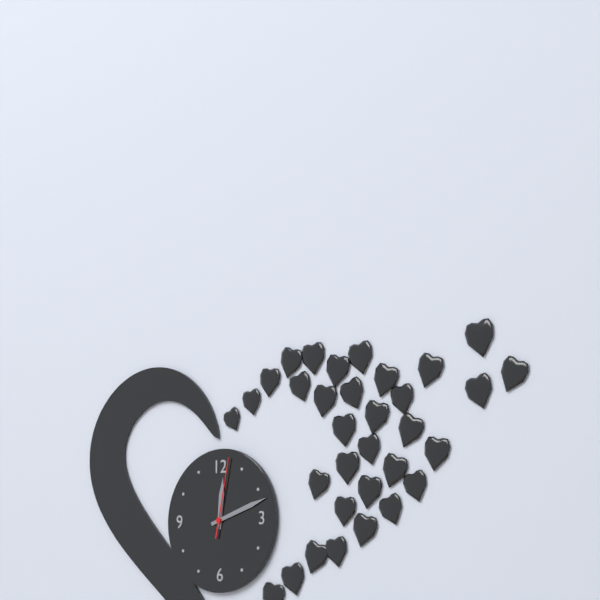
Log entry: {"hour": 12, "minute": 12, "second": 2}
